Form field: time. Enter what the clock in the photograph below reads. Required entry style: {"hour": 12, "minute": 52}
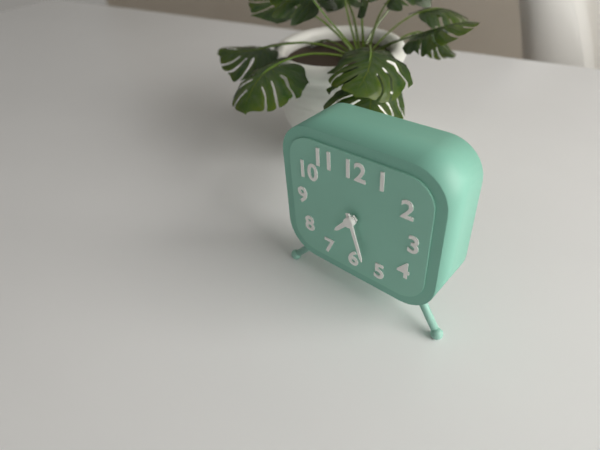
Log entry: {"hour": 7, "minute": 27}
